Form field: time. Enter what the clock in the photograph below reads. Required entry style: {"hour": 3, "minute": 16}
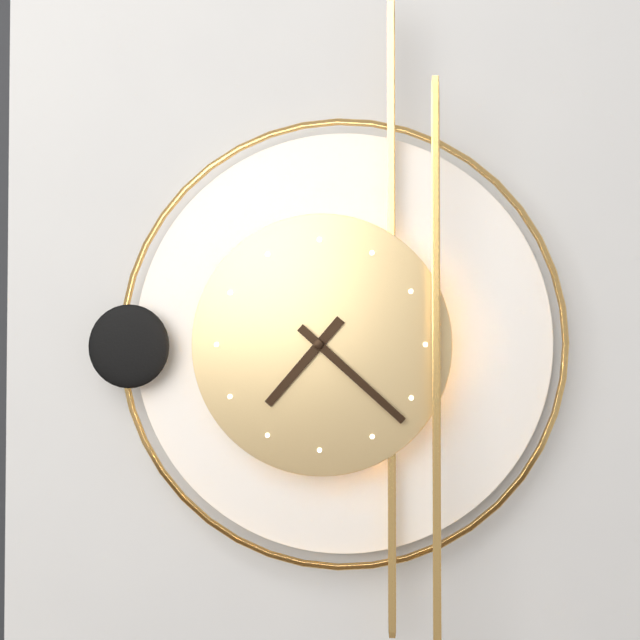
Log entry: {"hour": 7, "minute": 22}
